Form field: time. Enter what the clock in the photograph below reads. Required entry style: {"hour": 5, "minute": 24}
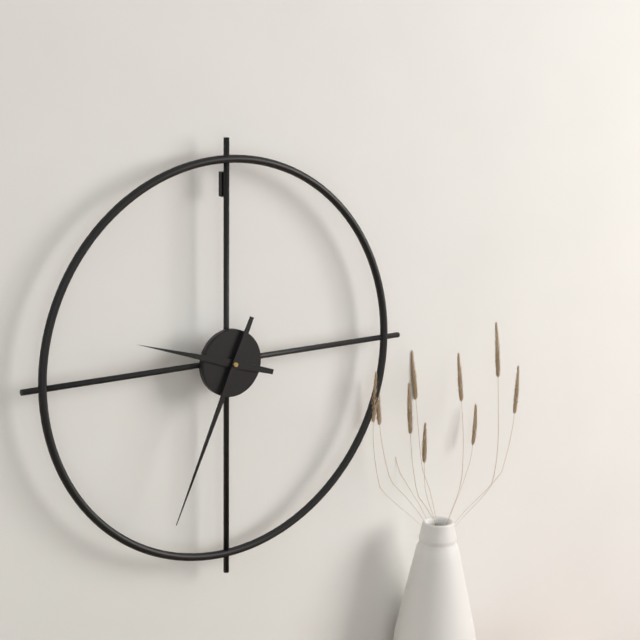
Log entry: {"hour": 9, "minute": 34}
